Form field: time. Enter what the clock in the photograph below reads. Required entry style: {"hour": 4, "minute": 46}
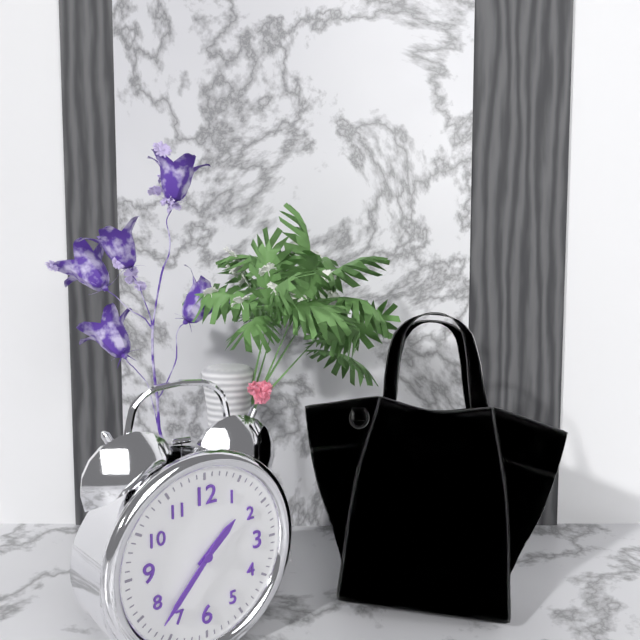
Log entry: {"hour": 1, "minute": 37}
